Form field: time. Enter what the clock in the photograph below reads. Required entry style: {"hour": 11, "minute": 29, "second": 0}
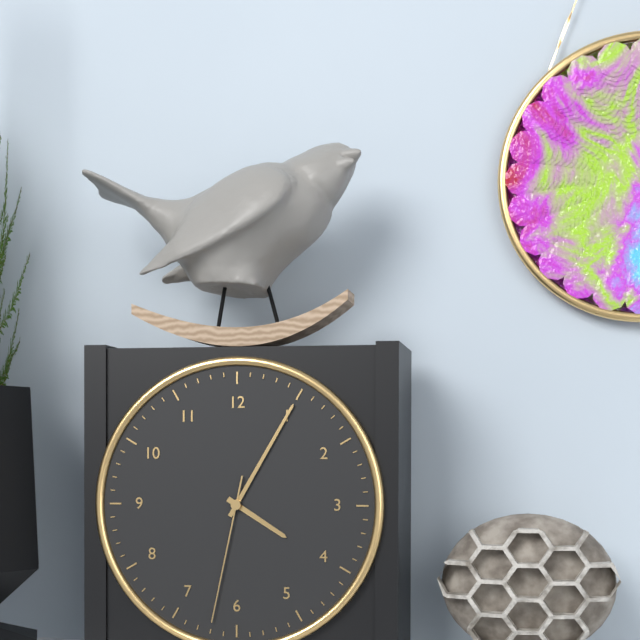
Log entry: {"hour": 4, "minute": 5, "second": 32}
